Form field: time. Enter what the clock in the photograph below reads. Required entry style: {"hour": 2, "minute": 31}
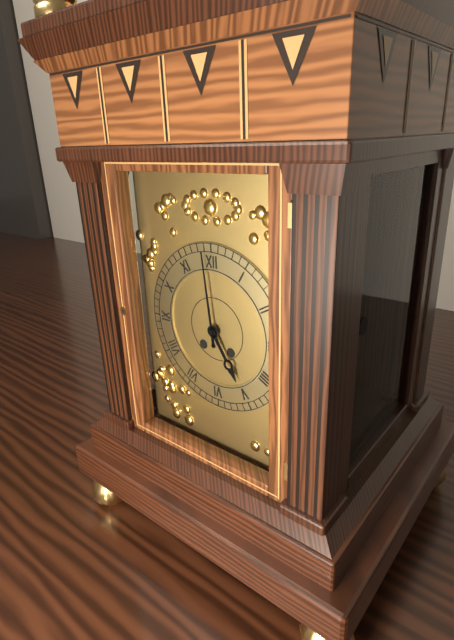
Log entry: {"hour": 4, "minute": 59}
